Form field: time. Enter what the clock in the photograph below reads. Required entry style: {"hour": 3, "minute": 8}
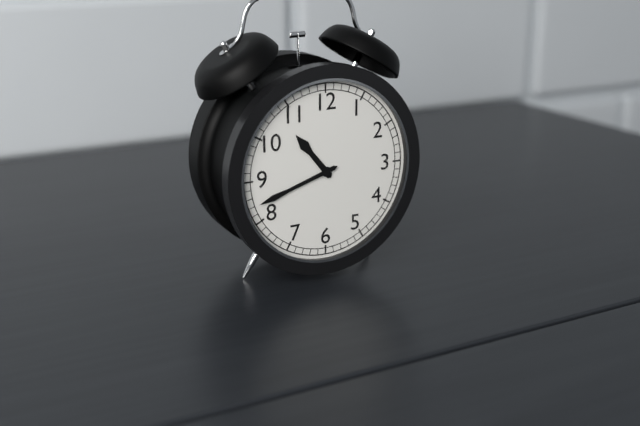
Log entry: {"hour": 10, "minute": 42}
